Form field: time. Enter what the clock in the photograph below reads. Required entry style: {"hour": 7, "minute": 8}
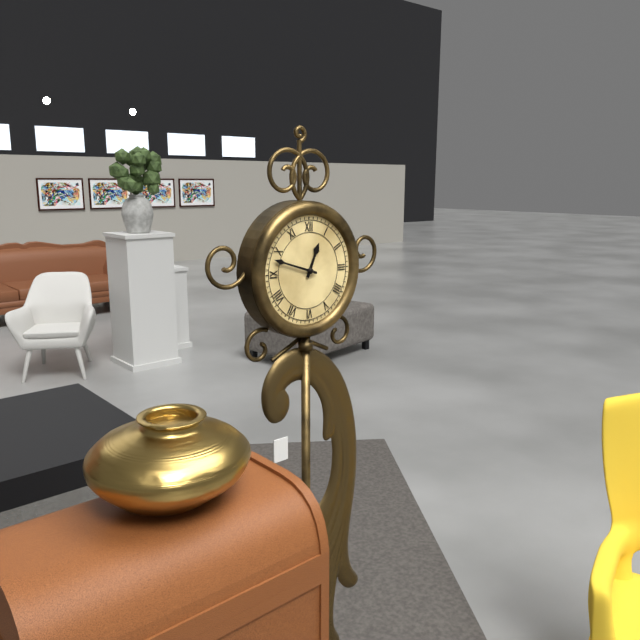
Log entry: {"hour": 12, "minute": 48}
